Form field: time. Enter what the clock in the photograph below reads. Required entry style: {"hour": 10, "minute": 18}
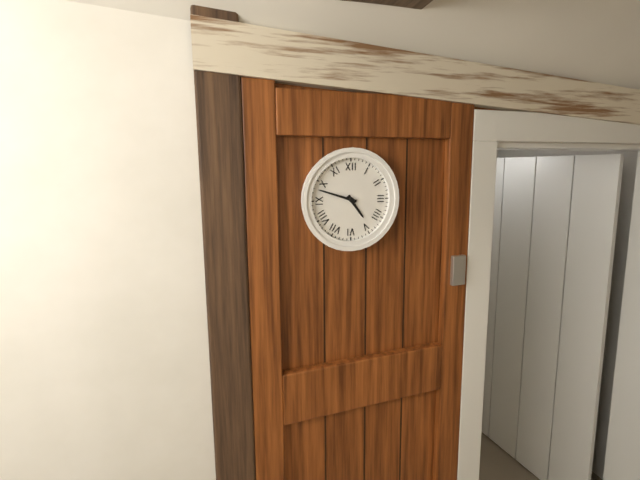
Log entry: {"hour": 4, "minute": 48}
